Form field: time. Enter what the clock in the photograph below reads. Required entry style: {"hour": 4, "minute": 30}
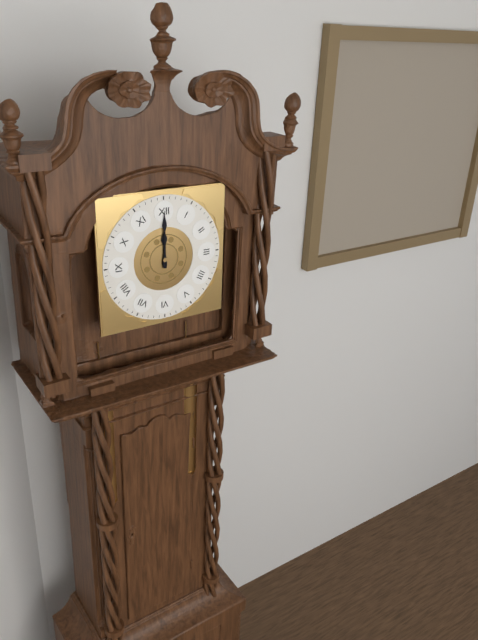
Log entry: {"hour": 12, "minute": 0}
